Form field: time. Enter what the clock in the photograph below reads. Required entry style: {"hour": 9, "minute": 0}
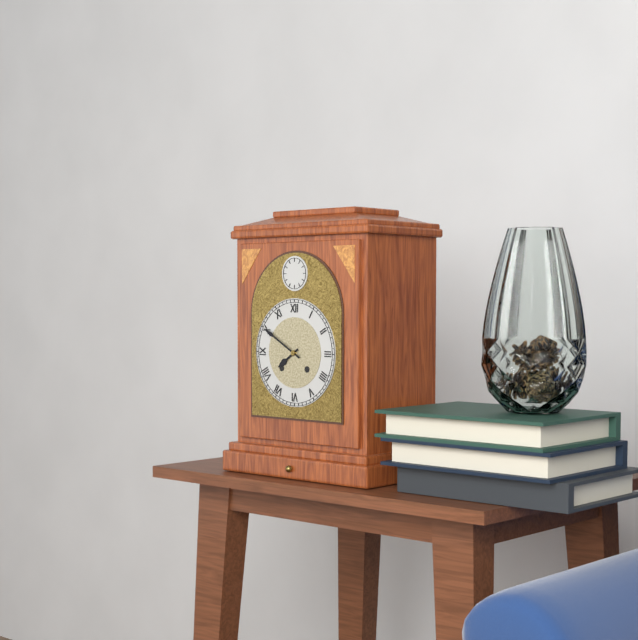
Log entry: {"hour": 7, "minute": 50}
